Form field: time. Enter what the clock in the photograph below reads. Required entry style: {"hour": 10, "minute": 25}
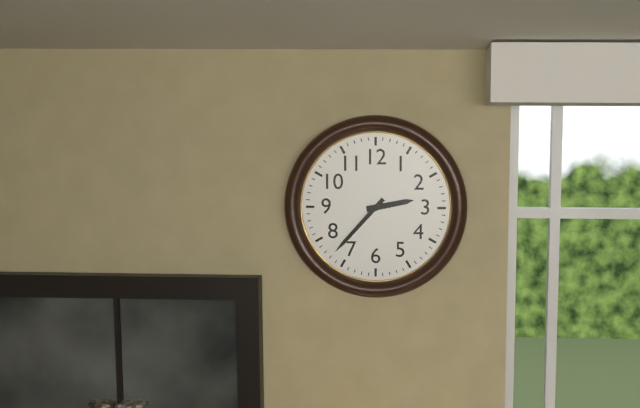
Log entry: {"hour": 2, "minute": 37}
